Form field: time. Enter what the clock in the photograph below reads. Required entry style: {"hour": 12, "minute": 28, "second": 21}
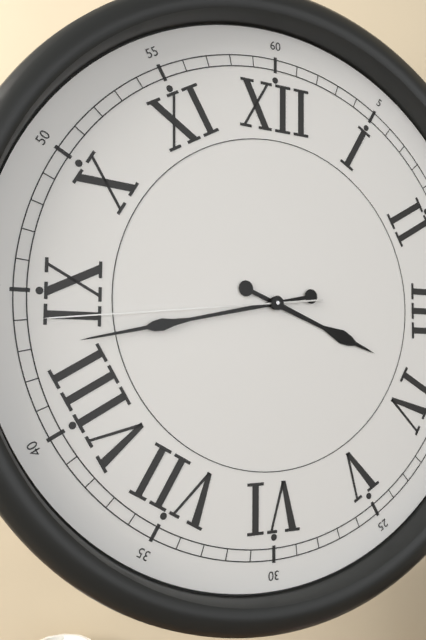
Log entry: {"hour": 3, "minute": 43, "second": 44}
